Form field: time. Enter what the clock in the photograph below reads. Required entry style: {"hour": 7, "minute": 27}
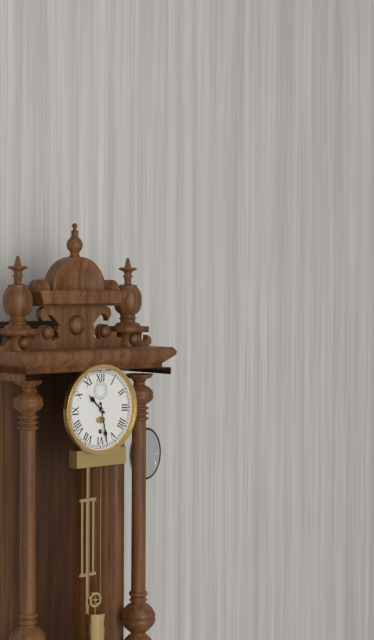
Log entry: {"hour": 10, "minute": 28}
